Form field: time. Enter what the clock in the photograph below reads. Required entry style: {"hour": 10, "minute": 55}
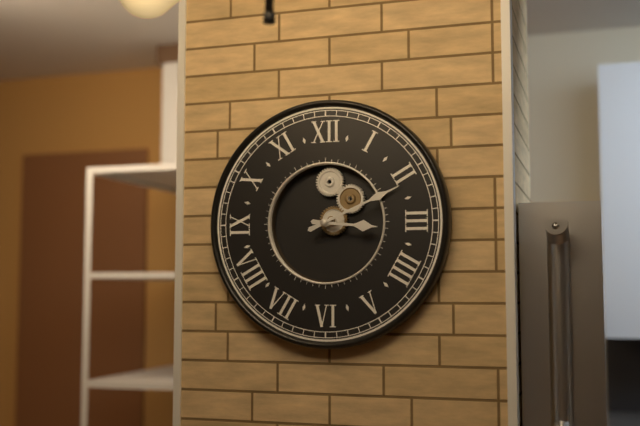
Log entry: {"hour": 3, "minute": 11}
